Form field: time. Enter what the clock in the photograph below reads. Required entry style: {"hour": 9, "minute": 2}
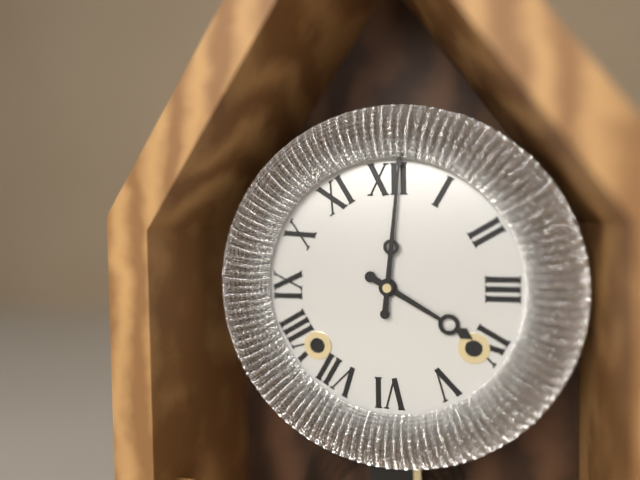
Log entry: {"hour": 4, "minute": 1}
